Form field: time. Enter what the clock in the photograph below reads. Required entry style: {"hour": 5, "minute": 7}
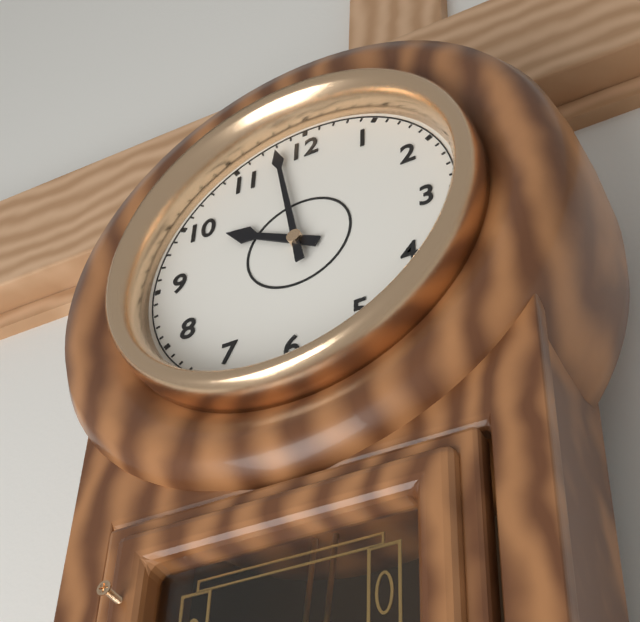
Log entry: {"hour": 9, "minute": 58}
